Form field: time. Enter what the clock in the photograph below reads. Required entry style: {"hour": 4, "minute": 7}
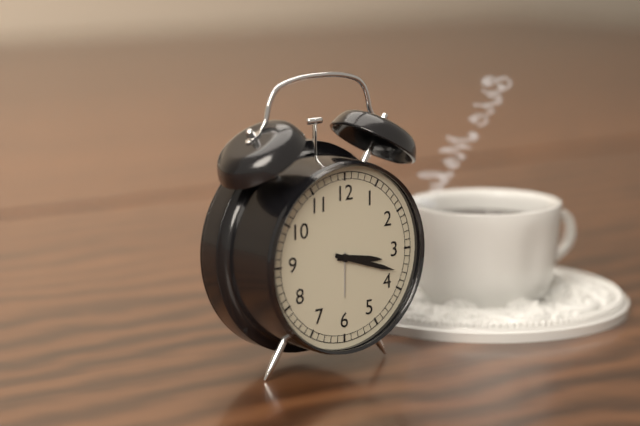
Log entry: {"hour": 3, "minute": 18}
